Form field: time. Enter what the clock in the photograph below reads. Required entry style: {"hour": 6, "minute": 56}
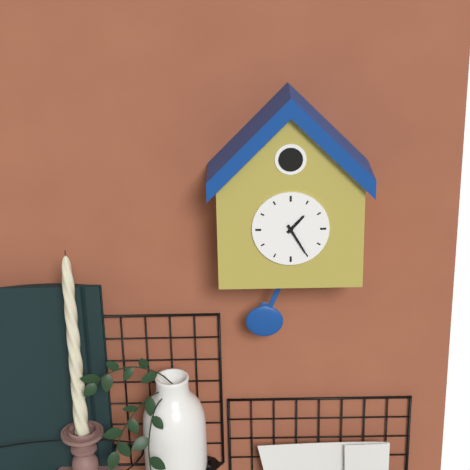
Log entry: {"hour": 1, "minute": 25}
